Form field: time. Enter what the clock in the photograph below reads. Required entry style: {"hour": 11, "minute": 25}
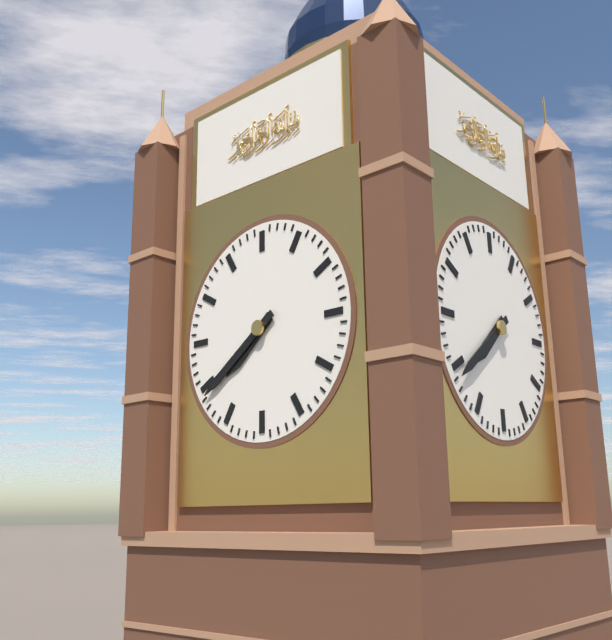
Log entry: {"hour": 7, "minute": 39}
